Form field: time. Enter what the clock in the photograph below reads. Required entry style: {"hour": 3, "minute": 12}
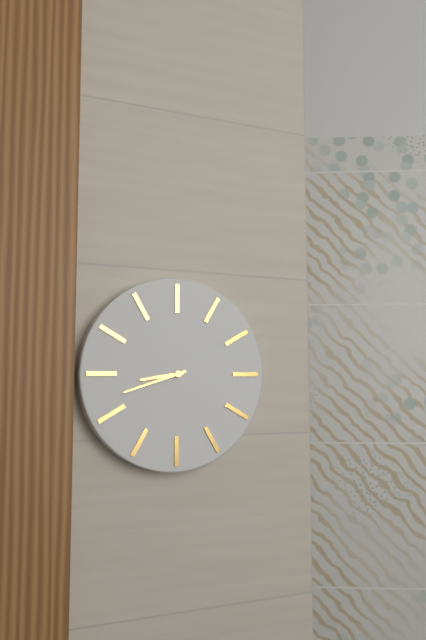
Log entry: {"hour": 8, "minute": 42}
